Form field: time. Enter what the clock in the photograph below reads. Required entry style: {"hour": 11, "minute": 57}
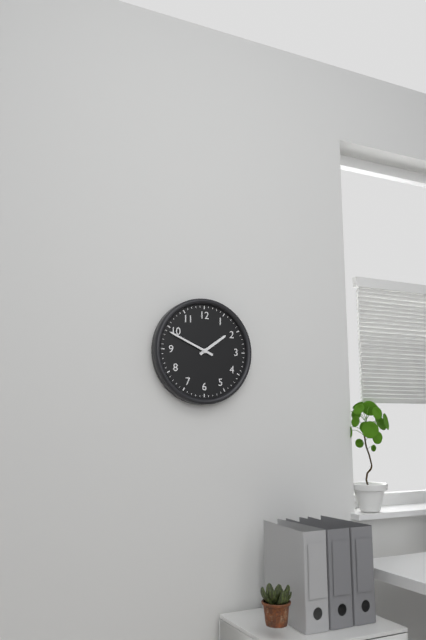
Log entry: {"hour": 1, "minute": 49}
